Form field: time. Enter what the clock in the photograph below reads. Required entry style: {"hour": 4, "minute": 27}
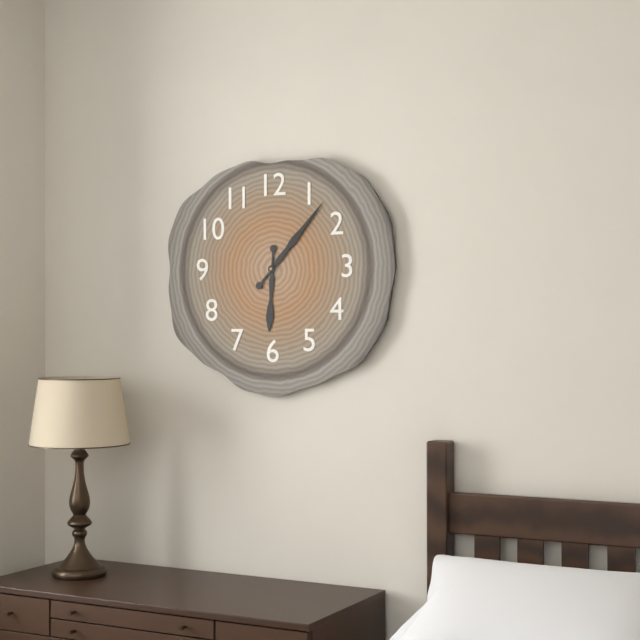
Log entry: {"hour": 6, "minute": 7}
